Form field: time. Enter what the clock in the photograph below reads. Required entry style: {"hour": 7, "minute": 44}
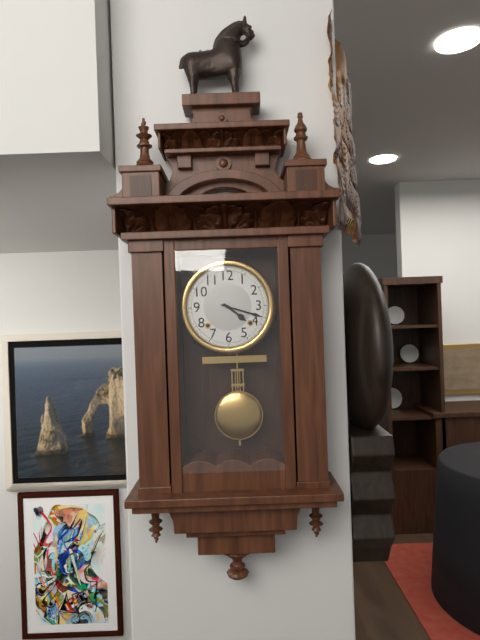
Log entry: {"hour": 4, "minute": 18}
